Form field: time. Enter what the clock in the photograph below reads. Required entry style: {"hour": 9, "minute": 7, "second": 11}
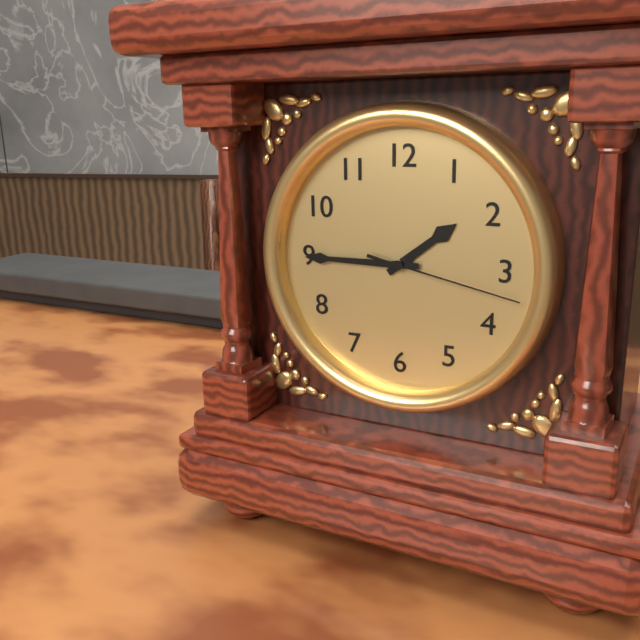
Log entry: {"hour": 1, "minute": 45, "second": 17}
